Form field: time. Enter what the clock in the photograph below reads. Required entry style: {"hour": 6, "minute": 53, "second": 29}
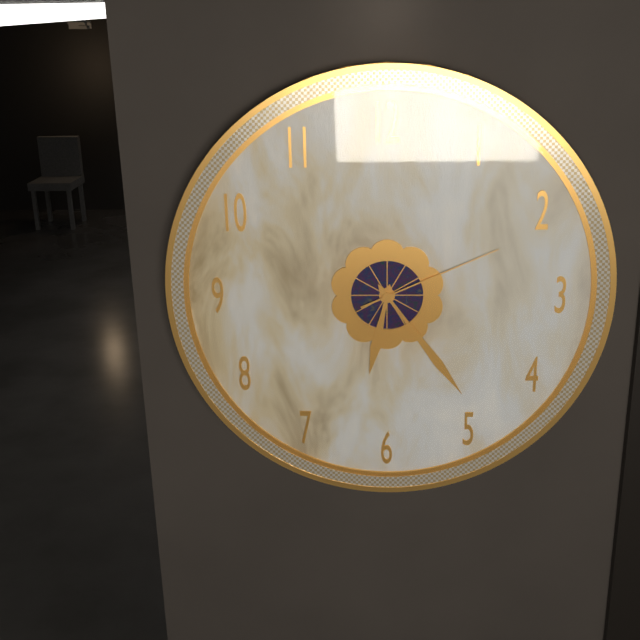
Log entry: {"hour": 6, "minute": 24, "second": 11}
